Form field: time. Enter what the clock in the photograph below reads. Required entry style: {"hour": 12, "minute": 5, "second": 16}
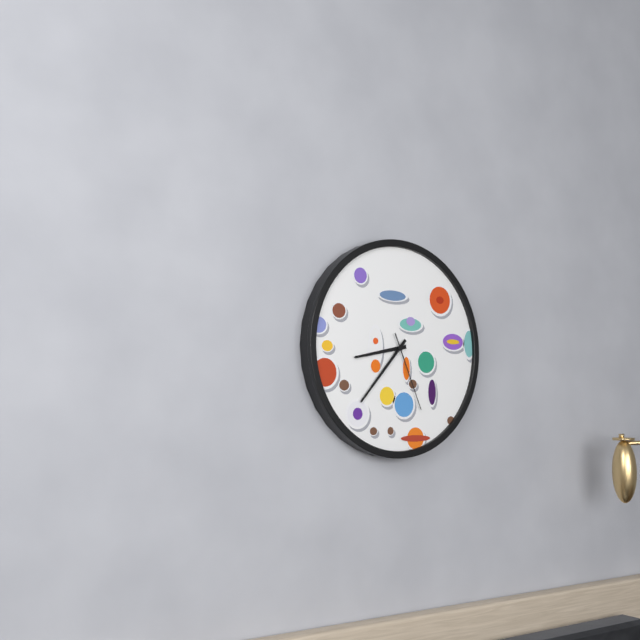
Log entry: {"hour": 8, "minute": 37, "second": 26}
